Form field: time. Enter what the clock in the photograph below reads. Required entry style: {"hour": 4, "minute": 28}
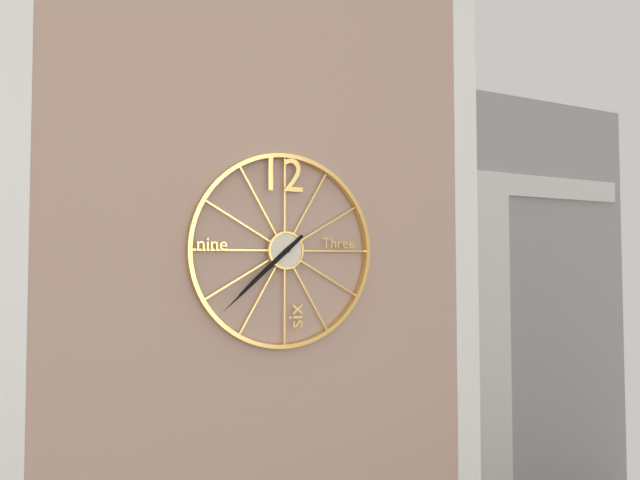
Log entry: {"hour": 7, "minute": 38}
